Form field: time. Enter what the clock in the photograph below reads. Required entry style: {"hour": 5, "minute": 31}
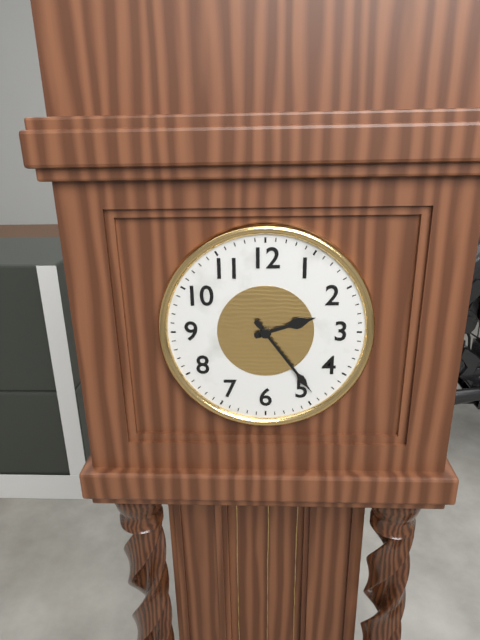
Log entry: {"hour": 2, "minute": 24}
